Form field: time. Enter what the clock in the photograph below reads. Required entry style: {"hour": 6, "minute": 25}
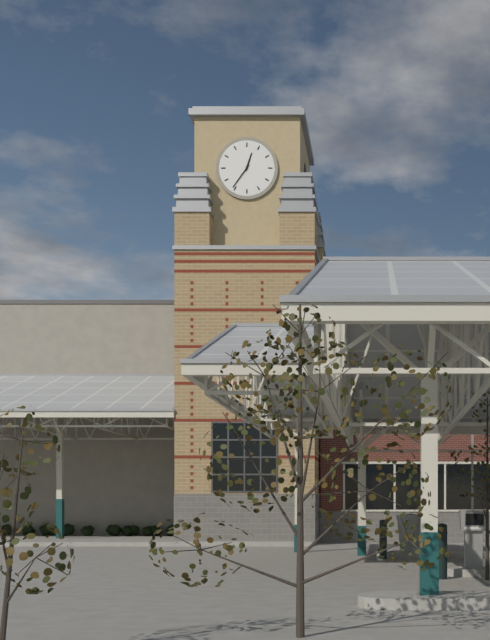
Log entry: {"hour": 12, "minute": 36}
